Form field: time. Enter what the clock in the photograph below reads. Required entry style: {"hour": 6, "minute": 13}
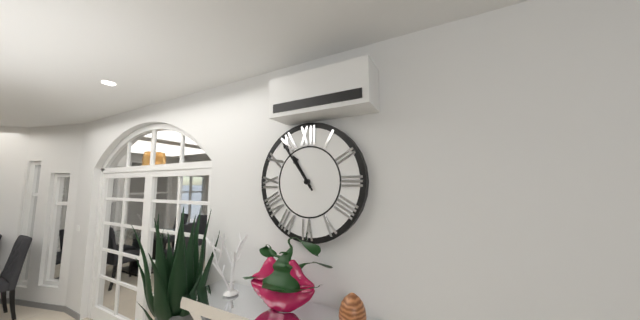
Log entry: {"hour": 10, "minute": 54}
